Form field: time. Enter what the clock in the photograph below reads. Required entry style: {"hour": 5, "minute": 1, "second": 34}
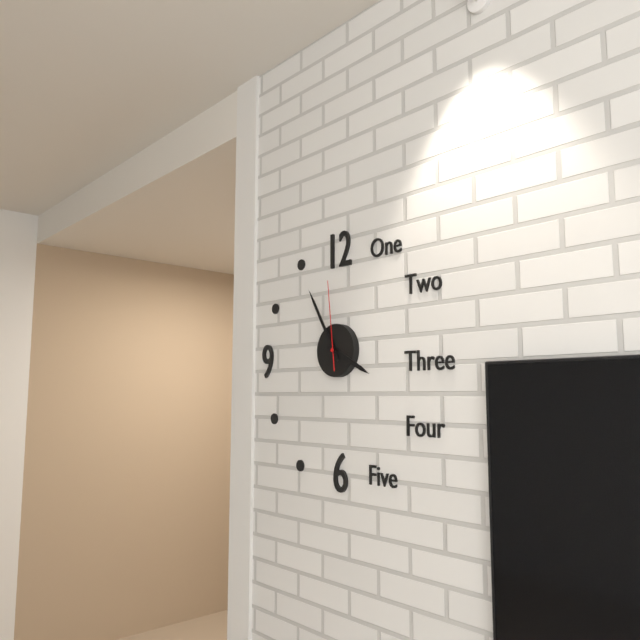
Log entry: {"hour": 3, "minute": 55, "second": 59}
